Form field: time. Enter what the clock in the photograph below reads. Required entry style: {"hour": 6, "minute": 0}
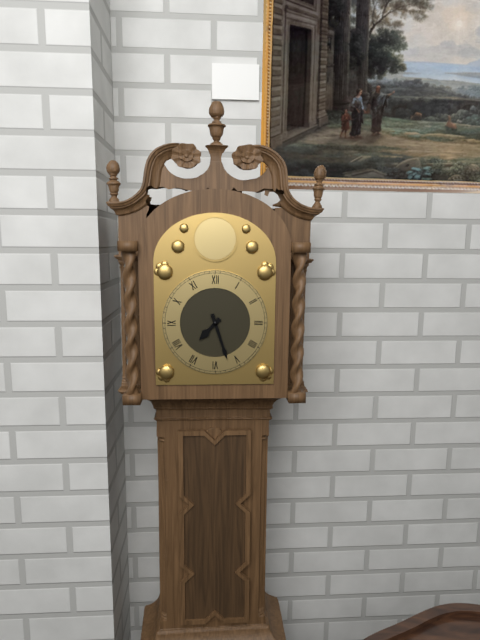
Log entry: {"hour": 7, "minute": 27}
